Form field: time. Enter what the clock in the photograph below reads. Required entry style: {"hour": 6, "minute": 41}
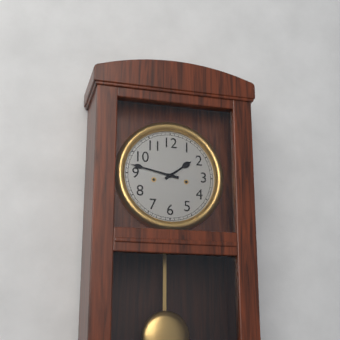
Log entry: {"hour": 1, "minute": 47}
